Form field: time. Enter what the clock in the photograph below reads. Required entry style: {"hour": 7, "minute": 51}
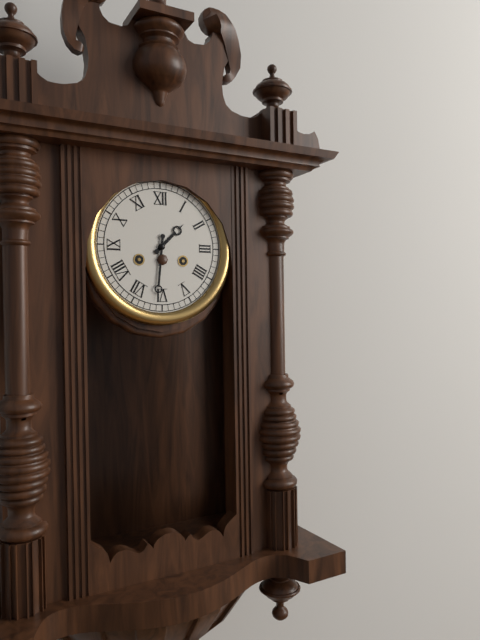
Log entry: {"hour": 1, "minute": 31}
